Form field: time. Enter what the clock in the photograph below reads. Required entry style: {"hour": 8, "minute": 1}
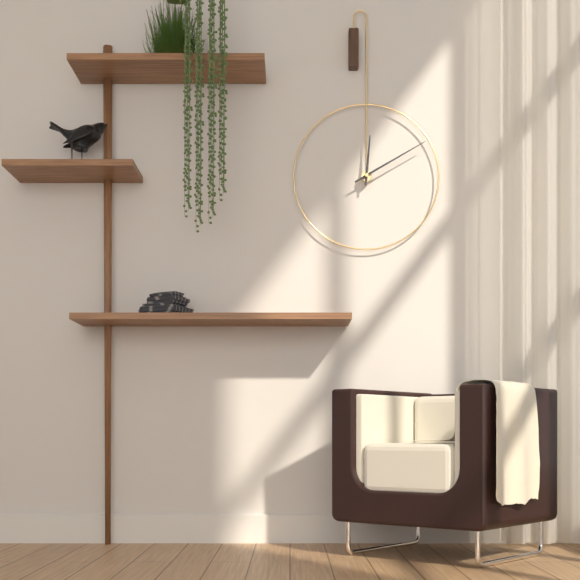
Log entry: {"hour": 12, "minute": 10}
